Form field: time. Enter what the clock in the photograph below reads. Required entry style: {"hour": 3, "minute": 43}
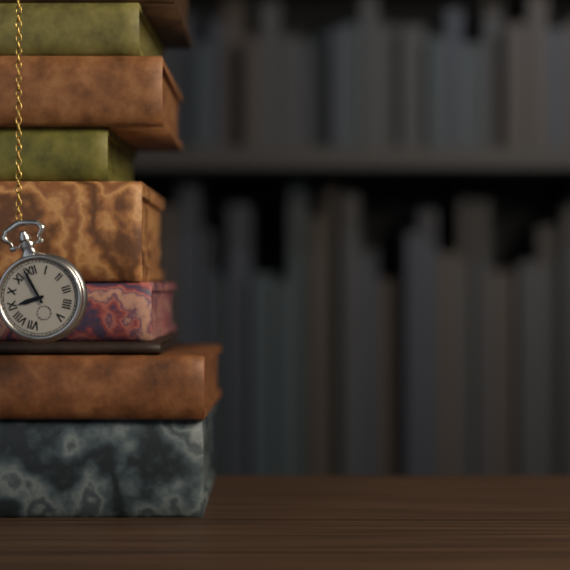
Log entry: {"hour": 8, "minute": 58}
